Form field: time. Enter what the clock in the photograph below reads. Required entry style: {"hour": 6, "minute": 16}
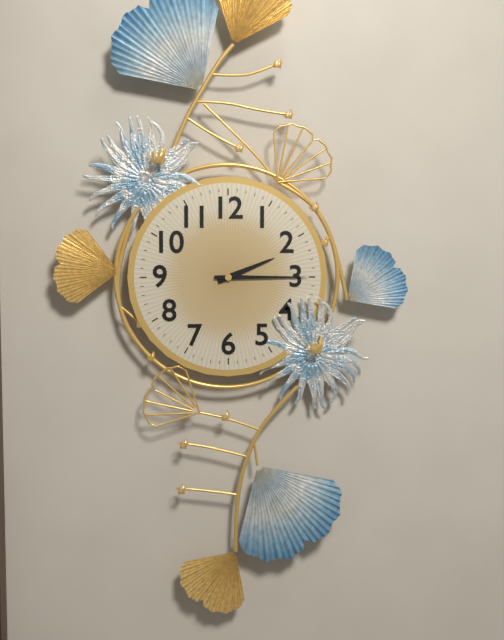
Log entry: {"hour": 2, "minute": 15}
